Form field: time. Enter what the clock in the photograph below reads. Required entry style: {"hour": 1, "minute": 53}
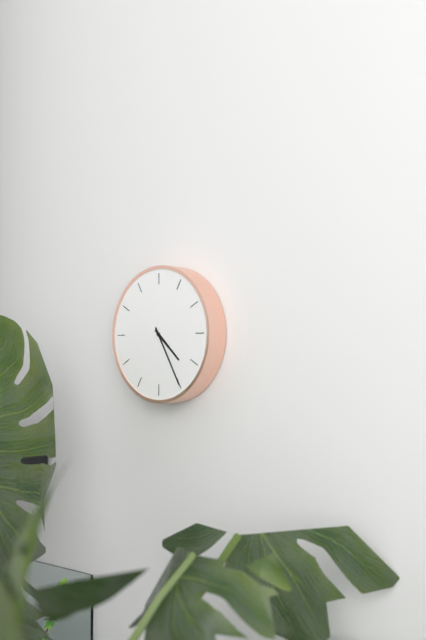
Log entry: {"hour": 4, "minute": 25}
